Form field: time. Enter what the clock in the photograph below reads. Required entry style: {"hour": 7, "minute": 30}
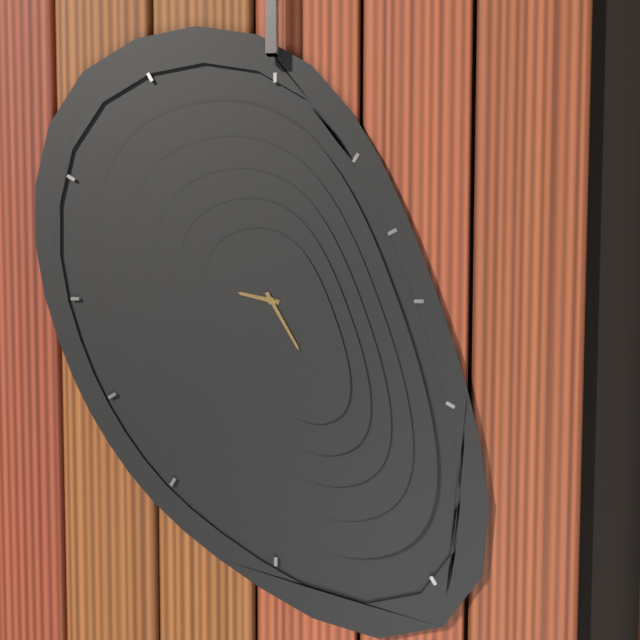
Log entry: {"hour": 9, "minute": 25}
